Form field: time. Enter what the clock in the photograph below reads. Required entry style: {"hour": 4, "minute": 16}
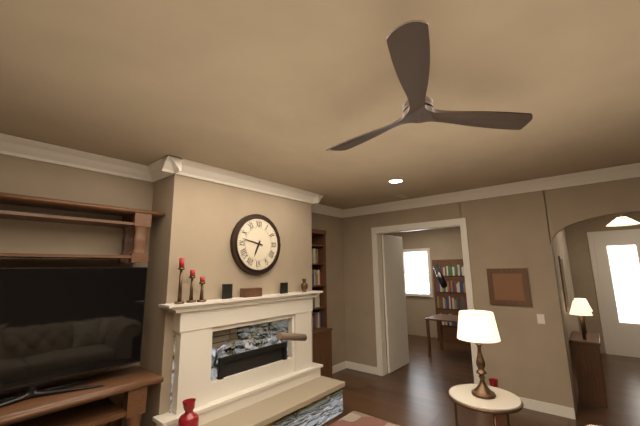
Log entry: {"hour": 6, "minute": 47}
